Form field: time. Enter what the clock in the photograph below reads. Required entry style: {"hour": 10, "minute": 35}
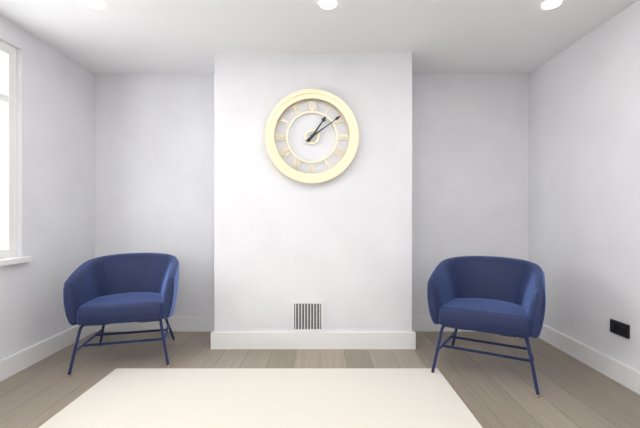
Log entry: {"hour": 1, "minute": 9}
